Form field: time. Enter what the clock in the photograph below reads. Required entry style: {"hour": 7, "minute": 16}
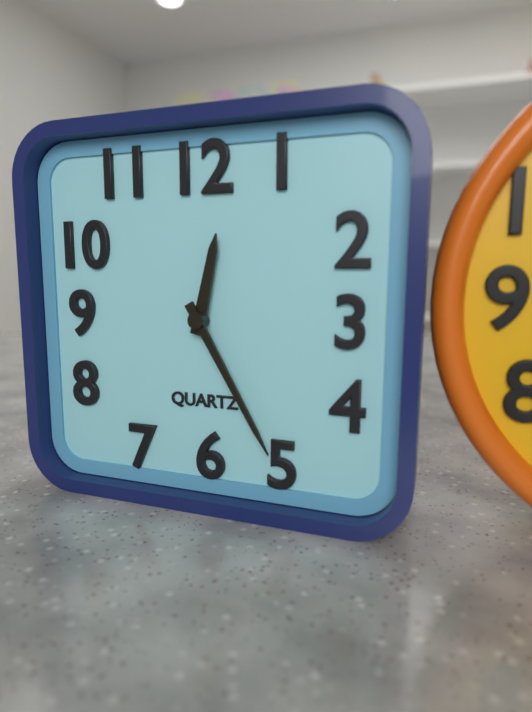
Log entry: {"hour": 12, "minute": 25}
